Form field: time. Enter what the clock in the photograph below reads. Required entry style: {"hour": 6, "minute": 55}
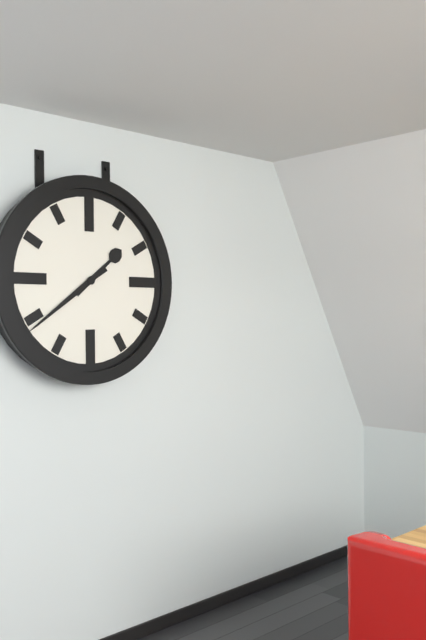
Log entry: {"hour": 1, "minute": 39}
